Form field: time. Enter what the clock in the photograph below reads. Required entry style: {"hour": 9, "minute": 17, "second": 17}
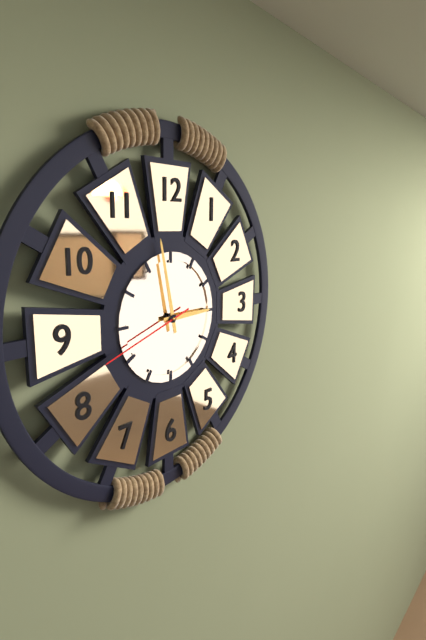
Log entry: {"hour": 2, "minute": 58, "second": 42}
